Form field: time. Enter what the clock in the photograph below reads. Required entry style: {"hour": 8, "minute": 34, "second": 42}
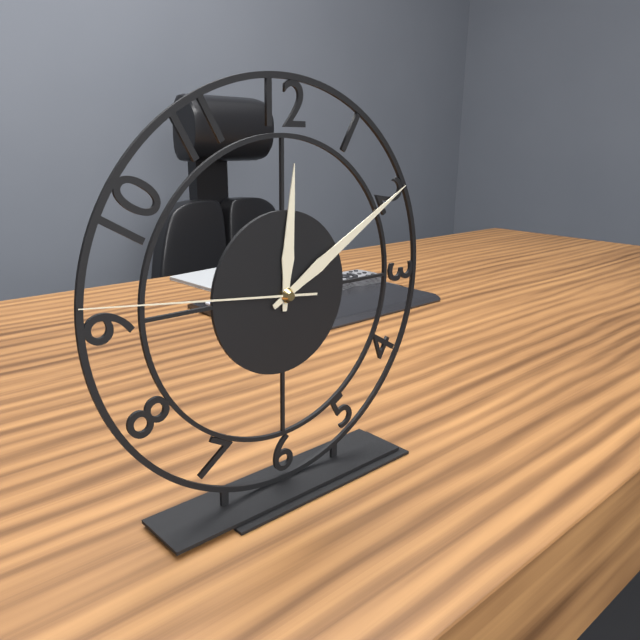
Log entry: {"hour": 12, "minute": 10, "second": 46}
